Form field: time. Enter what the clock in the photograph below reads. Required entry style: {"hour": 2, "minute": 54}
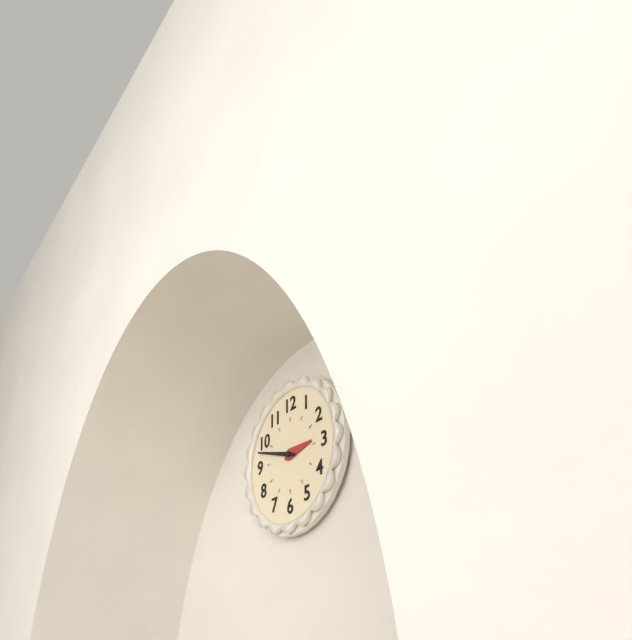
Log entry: {"hour": 2, "minute": 48}
